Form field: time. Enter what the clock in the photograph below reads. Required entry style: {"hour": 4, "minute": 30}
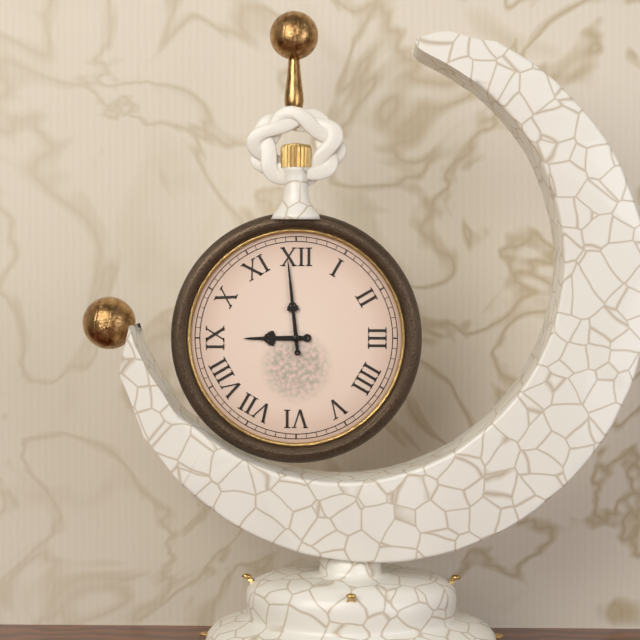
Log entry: {"hour": 8, "minute": 59}
